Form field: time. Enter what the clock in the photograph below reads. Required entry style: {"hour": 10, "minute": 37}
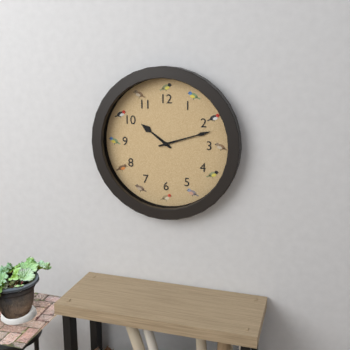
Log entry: {"hour": 10, "minute": 12}
